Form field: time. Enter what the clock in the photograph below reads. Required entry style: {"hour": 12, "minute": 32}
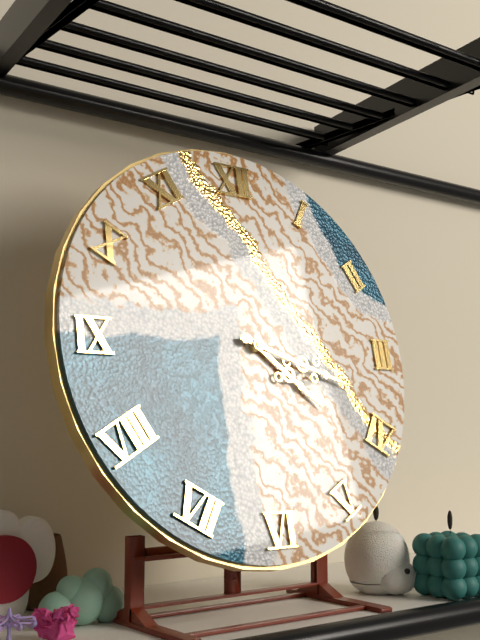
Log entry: {"hour": 4, "minute": 18}
